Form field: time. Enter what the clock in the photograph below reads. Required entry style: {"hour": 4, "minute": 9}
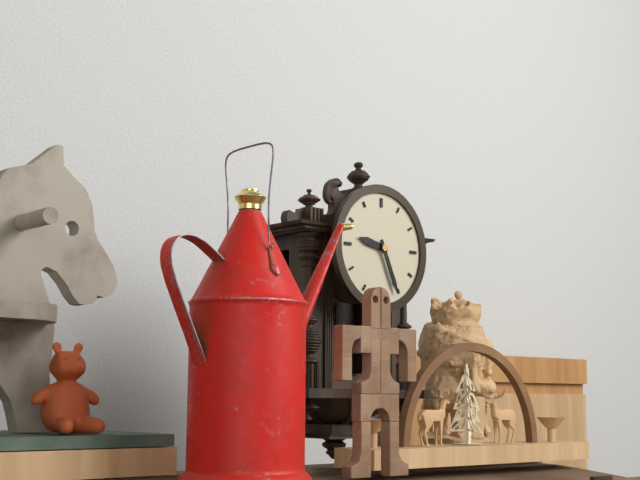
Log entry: {"hour": 9, "minute": 26}
